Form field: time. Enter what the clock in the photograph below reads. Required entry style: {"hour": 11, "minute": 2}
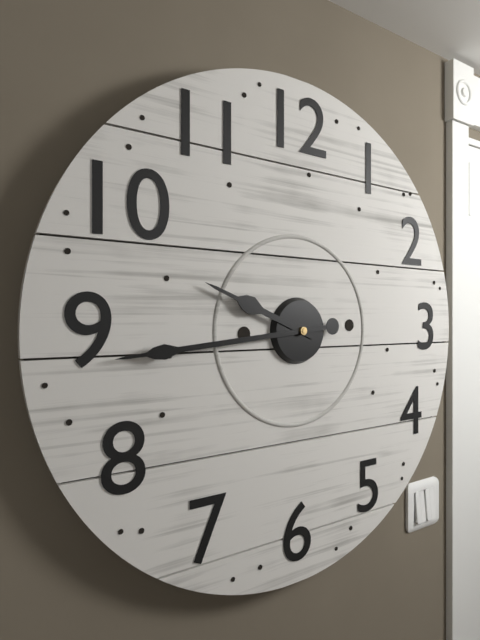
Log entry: {"hour": 9, "minute": 44}
